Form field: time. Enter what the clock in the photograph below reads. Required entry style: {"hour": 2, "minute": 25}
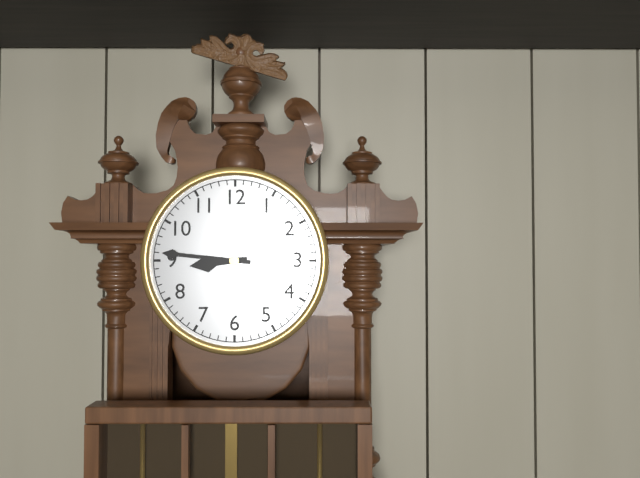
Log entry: {"hour": 8, "minute": 46}
